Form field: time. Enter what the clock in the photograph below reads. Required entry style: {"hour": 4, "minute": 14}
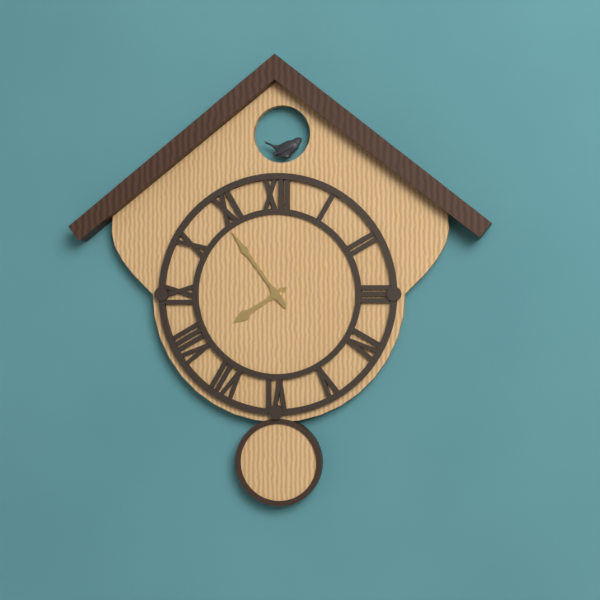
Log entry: {"hour": 7, "minute": 54}
